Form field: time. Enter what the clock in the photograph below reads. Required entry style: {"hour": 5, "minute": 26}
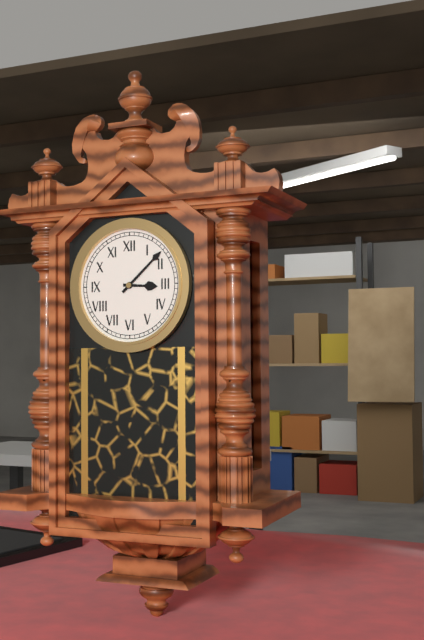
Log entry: {"hour": 3, "minute": 8}
